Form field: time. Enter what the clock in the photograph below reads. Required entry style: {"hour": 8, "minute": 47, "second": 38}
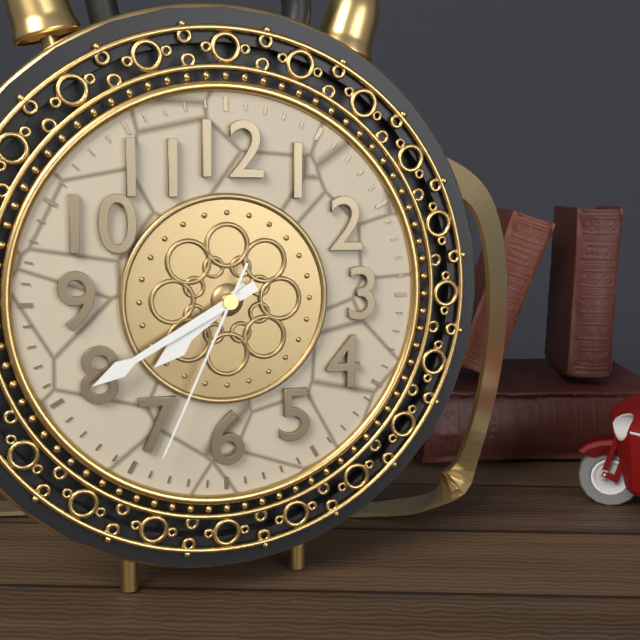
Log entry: {"hour": 7, "minute": 40, "second": 34}
